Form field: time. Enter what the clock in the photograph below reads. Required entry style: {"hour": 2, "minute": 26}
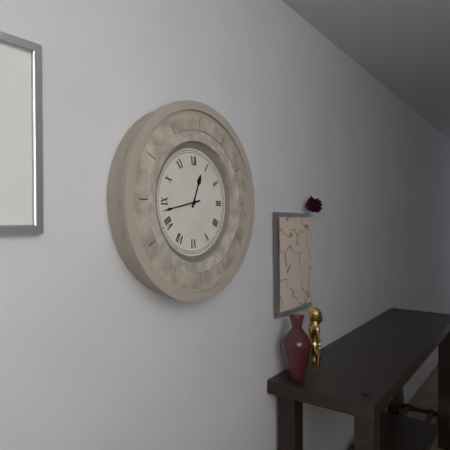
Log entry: {"hour": 12, "minute": 43}
